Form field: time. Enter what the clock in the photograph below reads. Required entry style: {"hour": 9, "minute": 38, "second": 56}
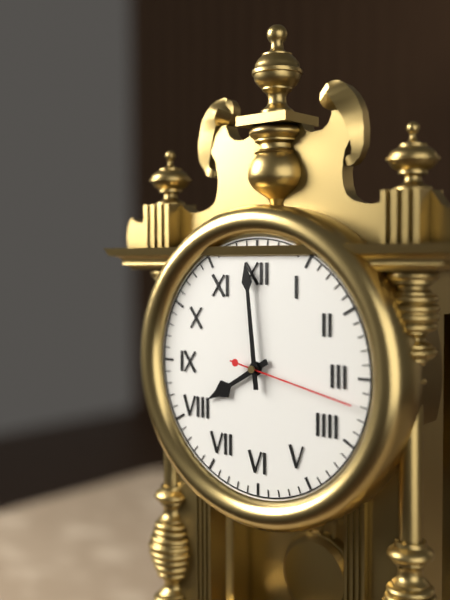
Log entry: {"hour": 7, "minute": 59, "second": 17}
